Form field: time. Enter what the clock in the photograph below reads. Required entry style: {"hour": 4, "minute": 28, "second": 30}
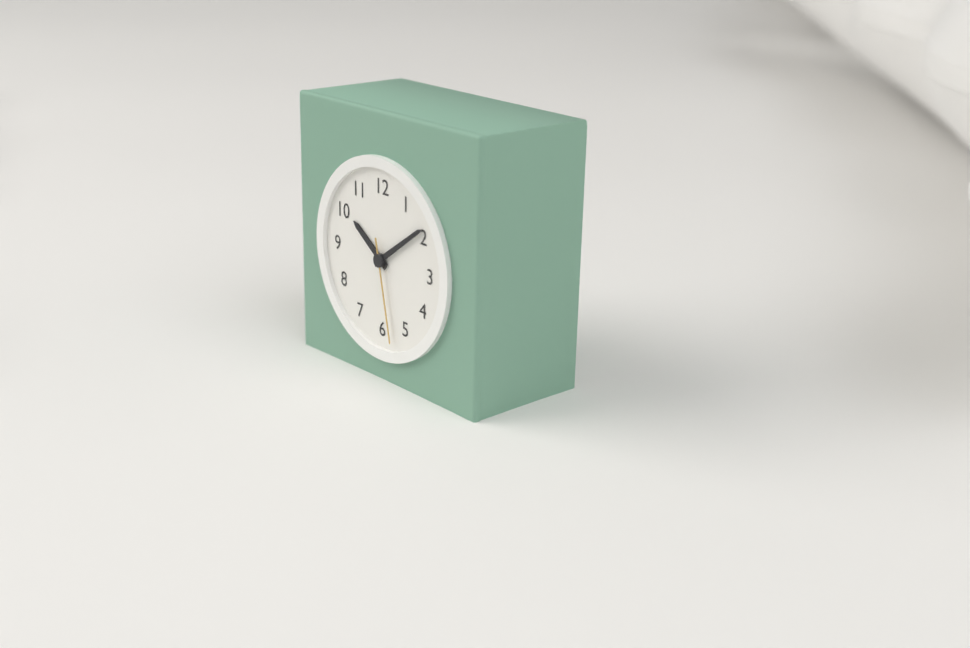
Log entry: {"hour": 10, "minute": 9, "second": 28}
